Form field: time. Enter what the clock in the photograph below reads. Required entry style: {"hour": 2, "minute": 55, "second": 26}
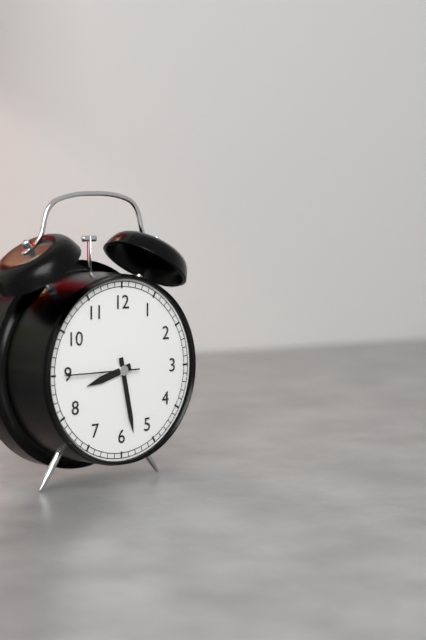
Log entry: {"hour": 8, "minute": 28, "second": 45}
